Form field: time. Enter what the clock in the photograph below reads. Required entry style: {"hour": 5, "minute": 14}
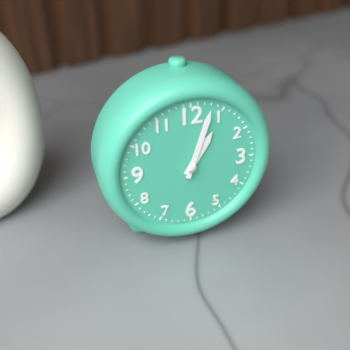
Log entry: {"hour": 1, "minute": 3}
